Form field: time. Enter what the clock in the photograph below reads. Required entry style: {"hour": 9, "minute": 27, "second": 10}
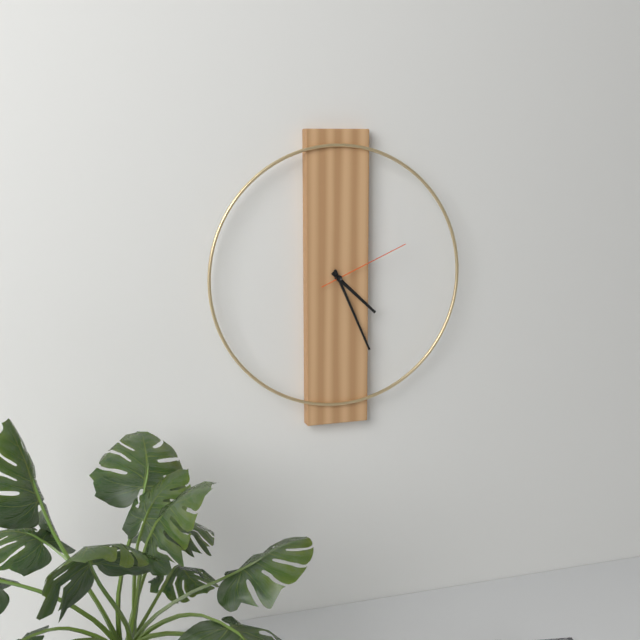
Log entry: {"hour": 4, "minute": 26, "second": 11}
